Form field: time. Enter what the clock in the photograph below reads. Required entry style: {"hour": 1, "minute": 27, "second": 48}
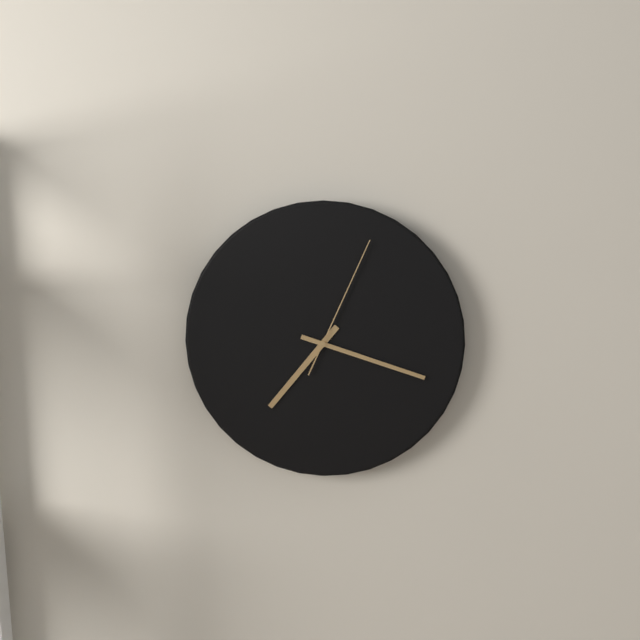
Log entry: {"hour": 7, "minute": 18, "second": 4}
